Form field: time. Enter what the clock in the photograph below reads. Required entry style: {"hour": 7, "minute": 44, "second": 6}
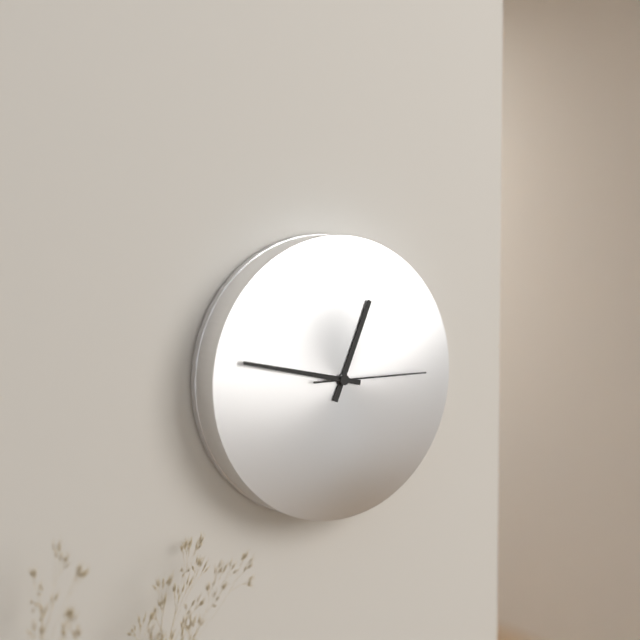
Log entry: {"hour": 12, "minute": 47, "second": 15}
